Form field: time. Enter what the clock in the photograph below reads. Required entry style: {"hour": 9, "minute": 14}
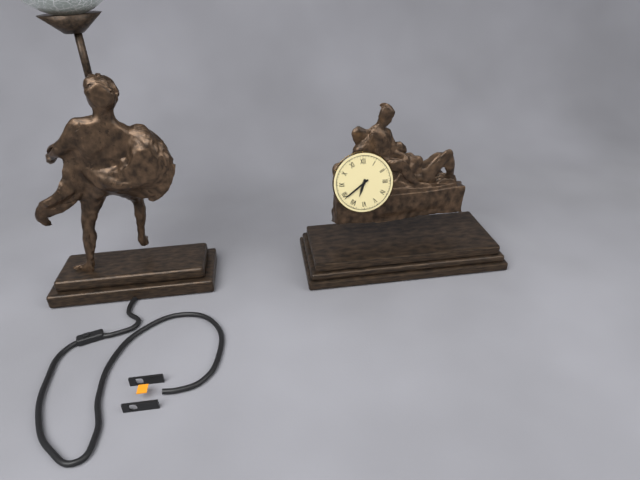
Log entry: {"hour": 6, "minute": 39}
